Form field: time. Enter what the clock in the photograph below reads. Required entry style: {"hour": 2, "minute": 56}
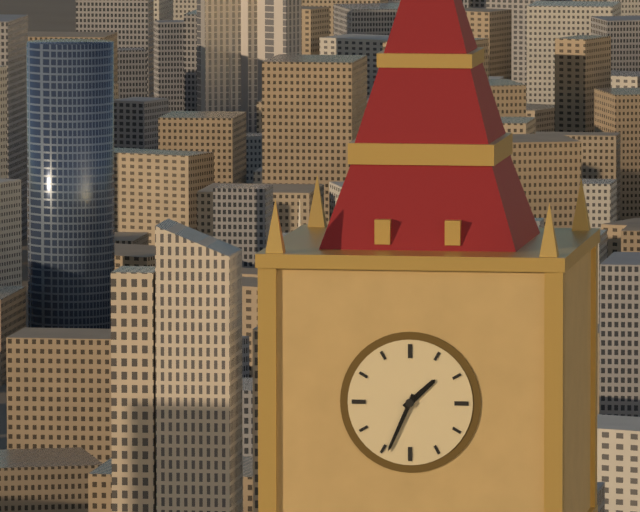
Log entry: {"hour": 1, "minute": 34}
